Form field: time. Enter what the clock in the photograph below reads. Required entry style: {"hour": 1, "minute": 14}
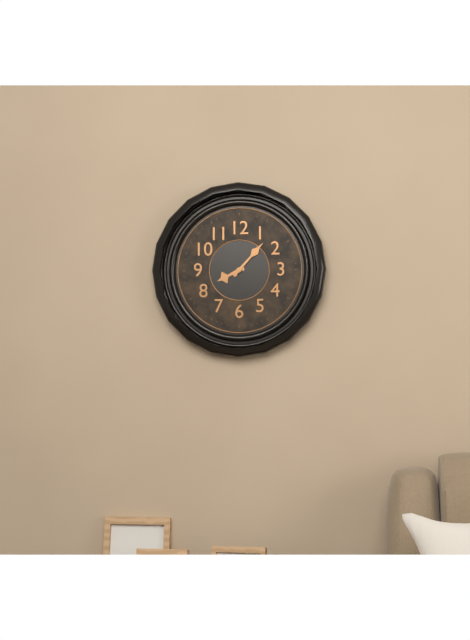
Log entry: {"hour": 8, "minute": 7}
